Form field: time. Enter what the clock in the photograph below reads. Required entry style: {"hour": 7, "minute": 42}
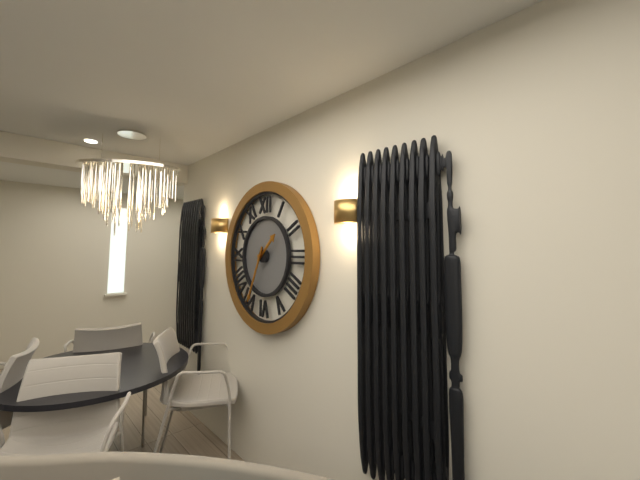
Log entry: {"hour": 1, "minute": 34}
